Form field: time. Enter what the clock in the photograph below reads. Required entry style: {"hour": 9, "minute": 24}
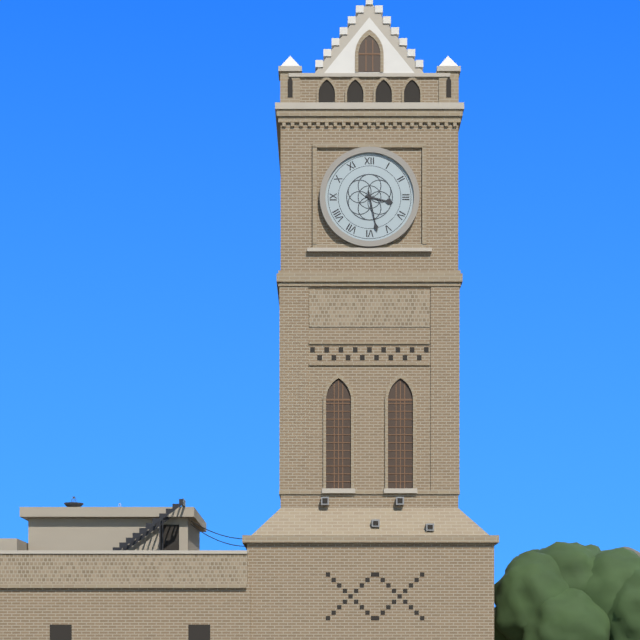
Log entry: {"hour": 3, "minute": 28}
